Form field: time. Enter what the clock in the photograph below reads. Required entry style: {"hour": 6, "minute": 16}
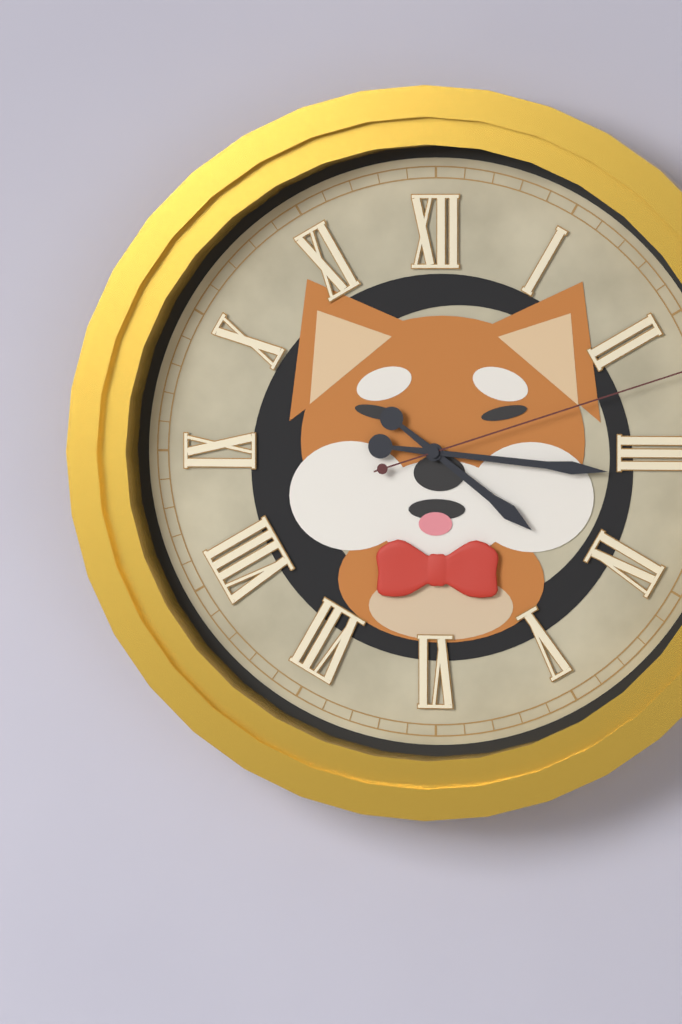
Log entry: {"hour": 4, "minute": 16}
